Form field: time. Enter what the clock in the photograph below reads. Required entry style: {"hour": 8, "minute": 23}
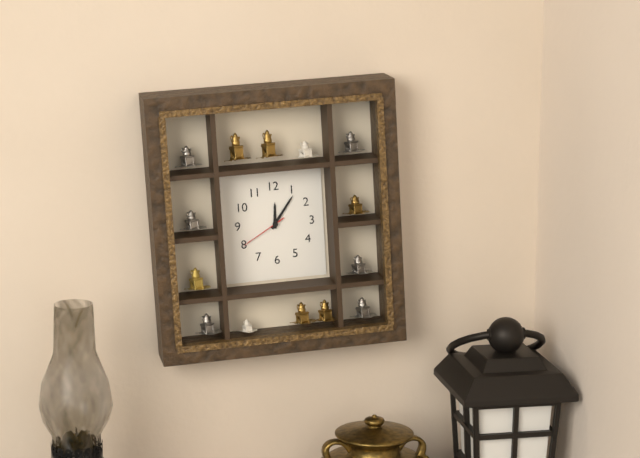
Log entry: {"hour": 12, "minute": 6}
